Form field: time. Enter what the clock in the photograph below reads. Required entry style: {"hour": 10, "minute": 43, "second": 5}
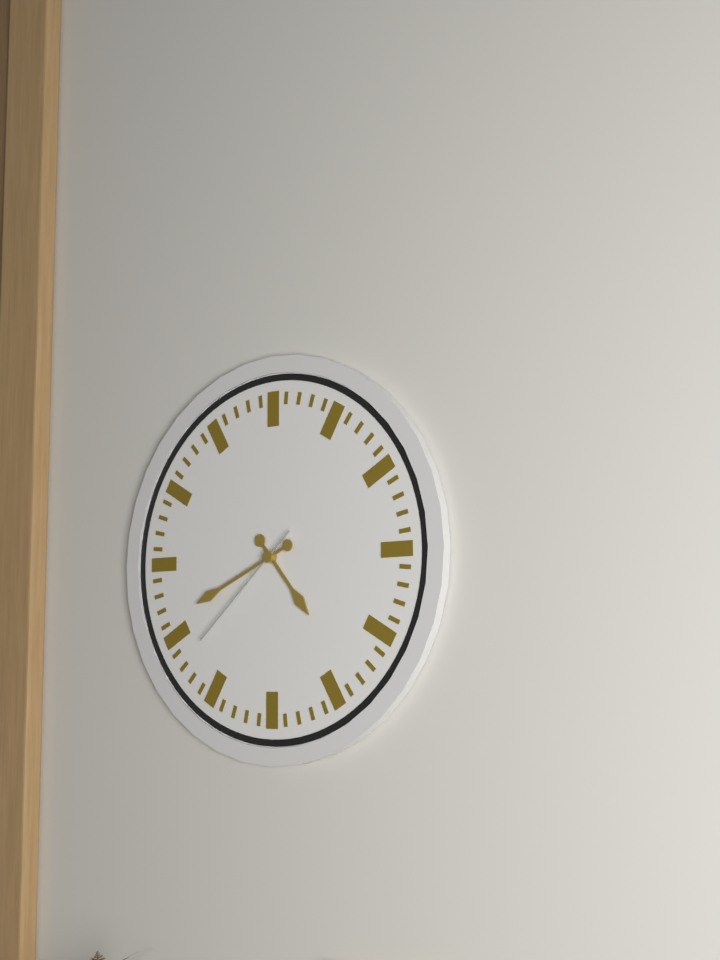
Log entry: {"hour": 4, "minute": 41, "second": 38}
